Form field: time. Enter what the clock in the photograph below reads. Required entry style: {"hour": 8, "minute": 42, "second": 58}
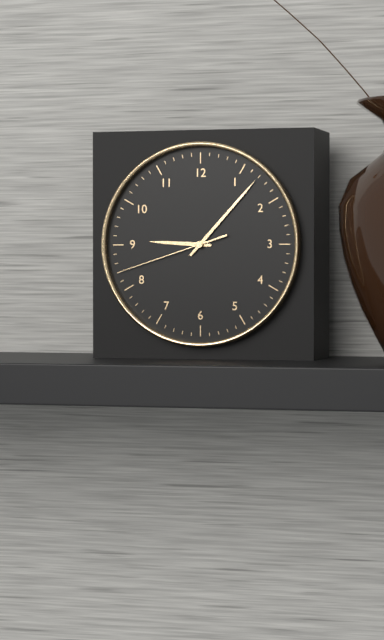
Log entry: {"hour": 9, "minute": 7, "second": 42}
